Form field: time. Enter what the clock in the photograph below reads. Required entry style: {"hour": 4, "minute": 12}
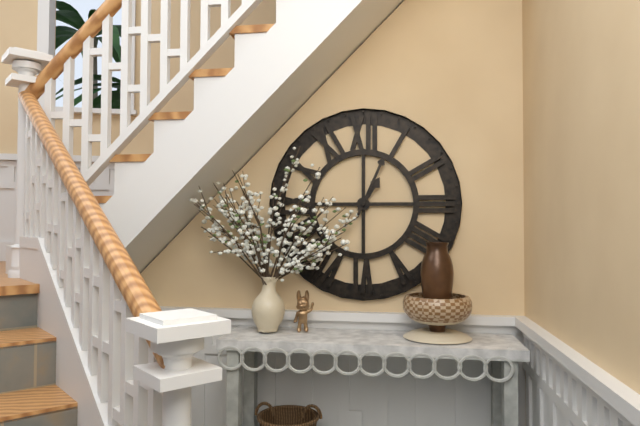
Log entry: {"hour": 1, "minute": 4}
